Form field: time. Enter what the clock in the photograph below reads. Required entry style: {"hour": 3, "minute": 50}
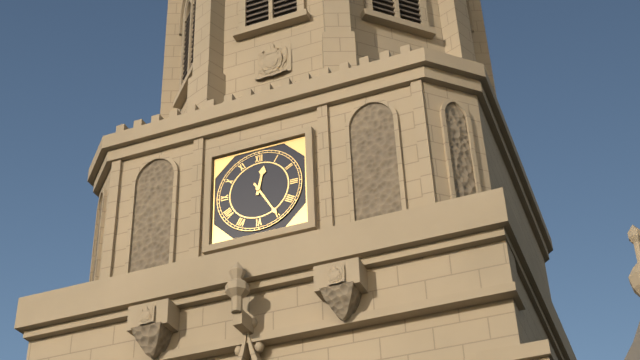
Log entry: {"hour": 12, "minute": 25}
